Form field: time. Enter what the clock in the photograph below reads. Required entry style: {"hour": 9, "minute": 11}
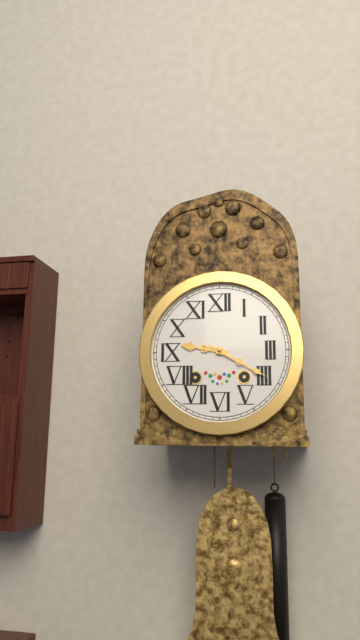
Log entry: {"hour": 9, "minute": 20}
